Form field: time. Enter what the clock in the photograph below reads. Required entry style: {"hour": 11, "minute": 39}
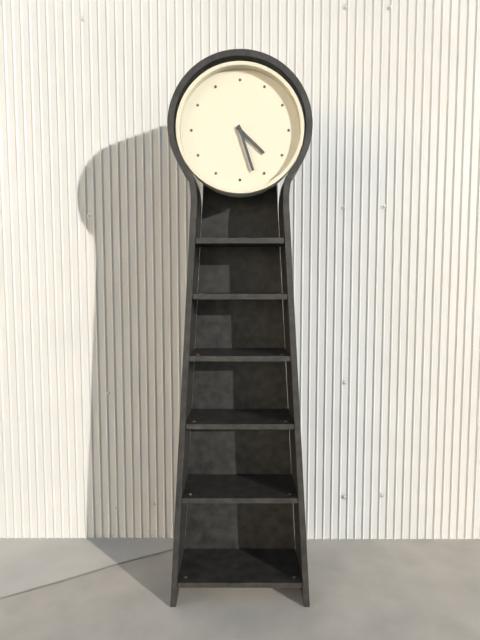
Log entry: {"hour": 4, "minute": 27}
